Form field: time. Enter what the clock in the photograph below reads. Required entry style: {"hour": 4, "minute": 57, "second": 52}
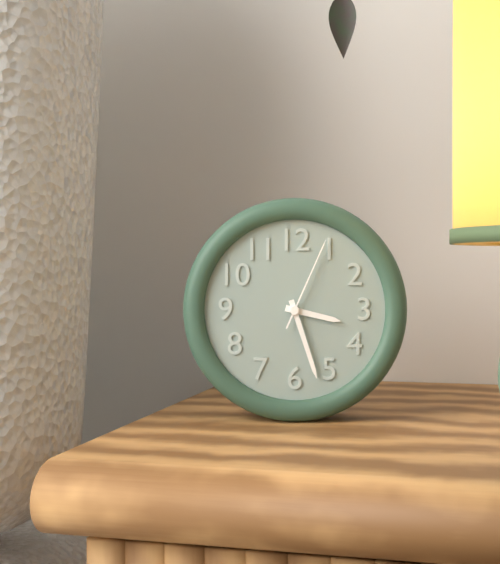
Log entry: {"hour": 3, "minute": 27, "second": 4}
